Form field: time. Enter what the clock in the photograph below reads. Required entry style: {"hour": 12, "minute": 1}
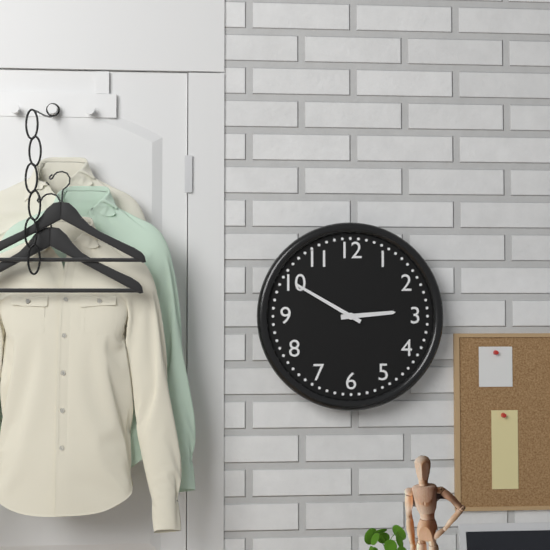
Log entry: {"hour": 2, "minute": 50}
